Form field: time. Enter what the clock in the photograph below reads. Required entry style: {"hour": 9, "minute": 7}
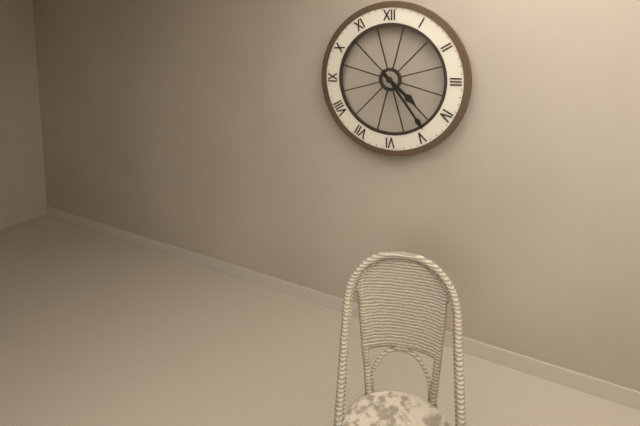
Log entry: {"hour": 4, "minute": 24}
